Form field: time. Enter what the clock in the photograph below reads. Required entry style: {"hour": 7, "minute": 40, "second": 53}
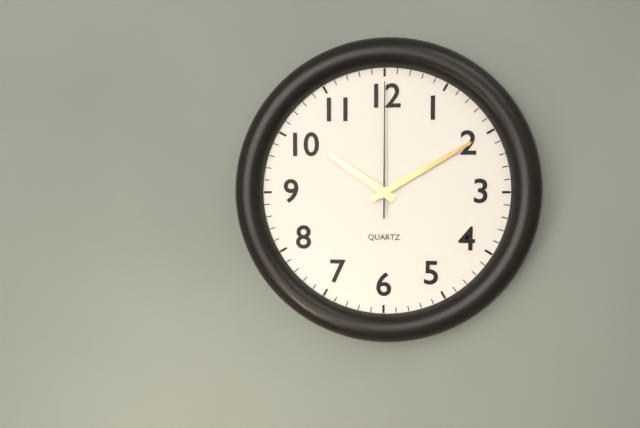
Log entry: {"hour": 10, "minute": 10, "second": 0}
